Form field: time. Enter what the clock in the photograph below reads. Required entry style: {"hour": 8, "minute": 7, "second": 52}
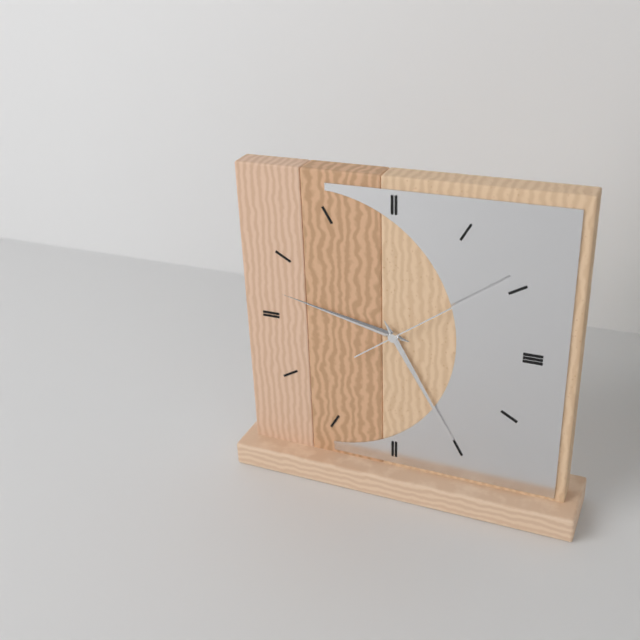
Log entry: {"hour": 9, "minute": 25, "second": 9}
